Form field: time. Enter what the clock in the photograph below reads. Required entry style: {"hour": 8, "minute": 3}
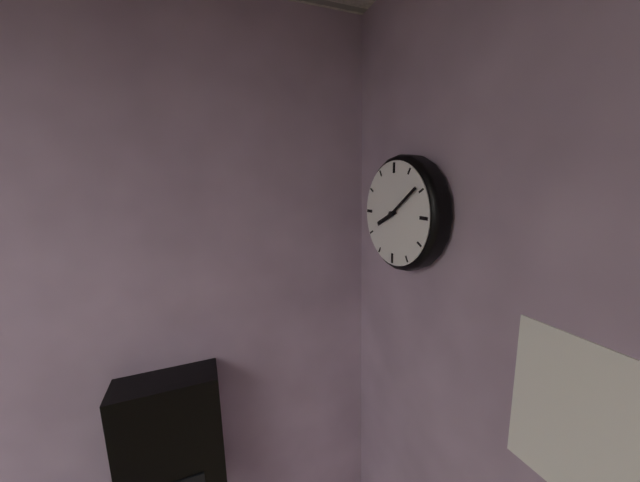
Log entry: {"hour": 8, "minute": 9}
